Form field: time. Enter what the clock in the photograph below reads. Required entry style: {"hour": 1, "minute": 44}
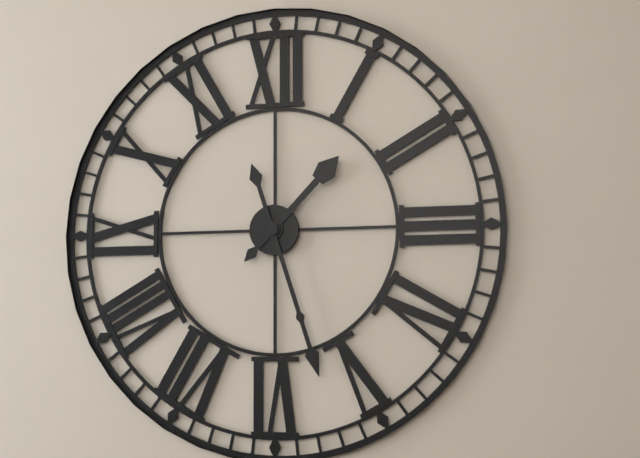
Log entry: {"hour": 1, "minute": 27}
